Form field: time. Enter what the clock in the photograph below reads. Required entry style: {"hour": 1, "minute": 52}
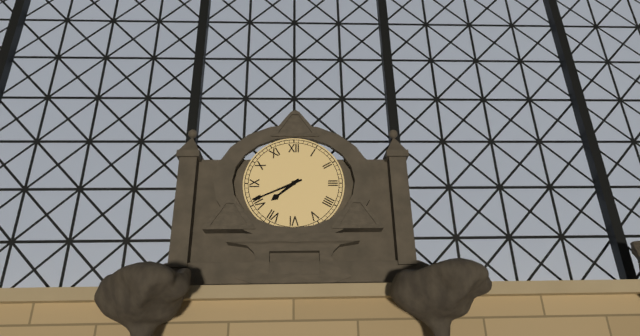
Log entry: {"hour": 7, "minute": 41}
